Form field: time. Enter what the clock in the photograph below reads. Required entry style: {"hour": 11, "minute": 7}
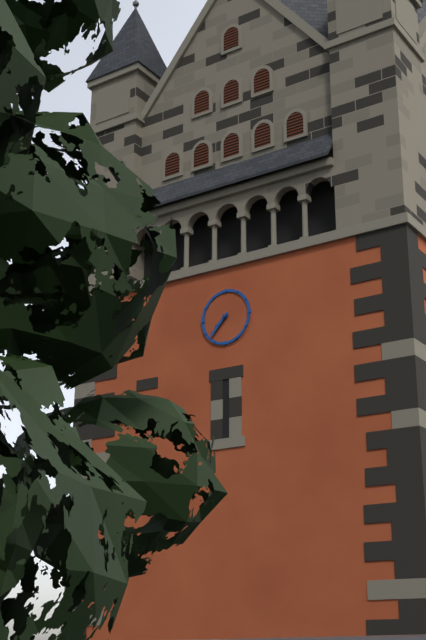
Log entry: {"hour": 7, "minute": 37}
